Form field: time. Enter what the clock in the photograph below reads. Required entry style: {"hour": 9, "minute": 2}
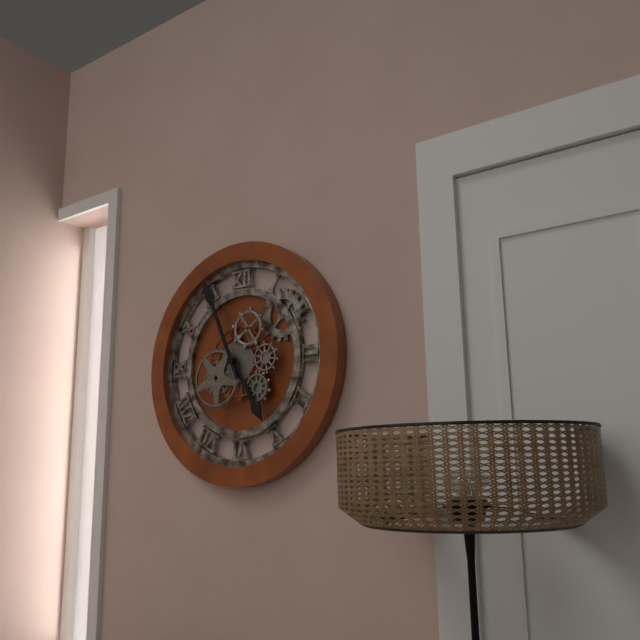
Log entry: {"hour": 4, "minute": 56}
